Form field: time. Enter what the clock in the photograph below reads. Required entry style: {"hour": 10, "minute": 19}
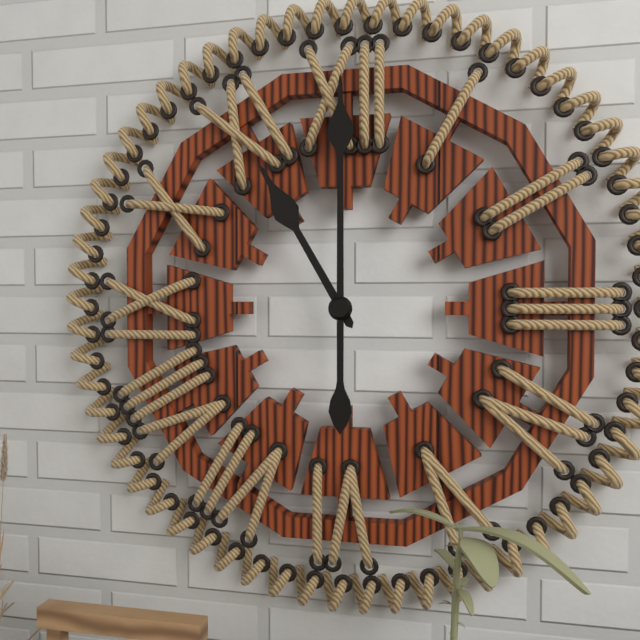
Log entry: {"hour": 11, "minute": 0}
